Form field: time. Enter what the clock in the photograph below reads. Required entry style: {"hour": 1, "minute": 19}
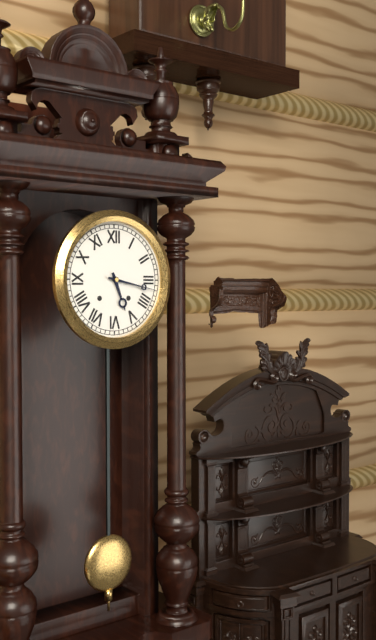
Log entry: {"hour": 5, "minute": 17}
